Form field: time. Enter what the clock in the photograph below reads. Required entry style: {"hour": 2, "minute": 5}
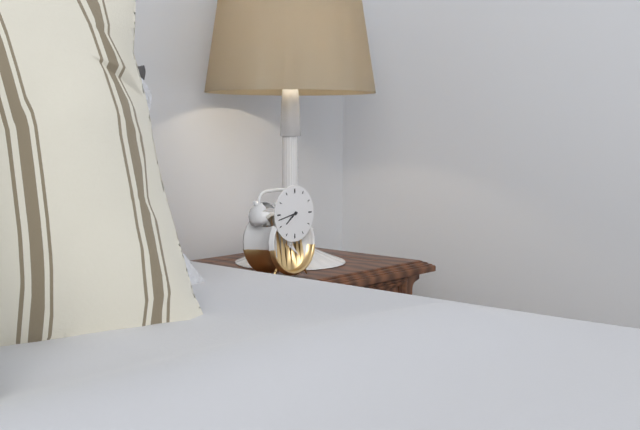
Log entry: {"hour": 7, "minute": 43}
